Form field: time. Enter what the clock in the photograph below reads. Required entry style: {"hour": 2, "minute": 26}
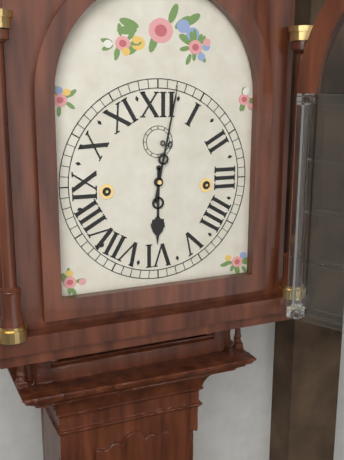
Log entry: {"hour": 6, "minute": 2}
